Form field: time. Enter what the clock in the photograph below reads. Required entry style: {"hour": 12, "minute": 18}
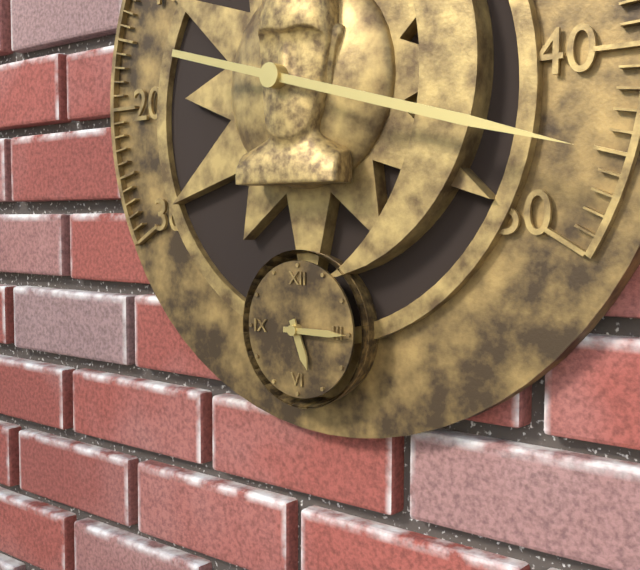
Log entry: {"hour": 5, "minute": 15}
